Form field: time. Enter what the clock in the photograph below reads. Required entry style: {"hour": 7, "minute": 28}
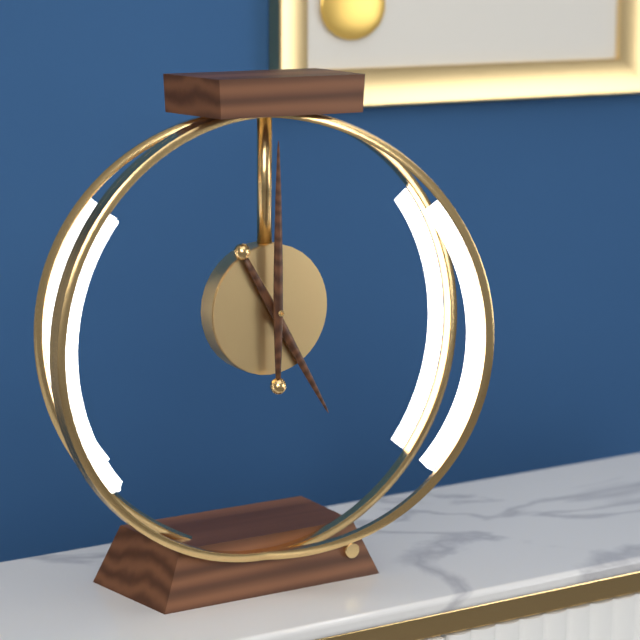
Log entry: {"hour": 5, "minute": 0}
